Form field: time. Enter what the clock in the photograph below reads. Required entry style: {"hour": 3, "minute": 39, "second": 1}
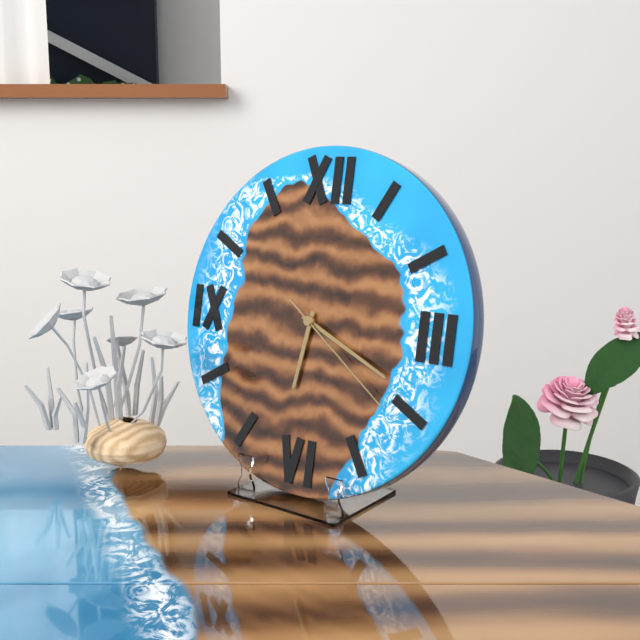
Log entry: {"hour": 6, "minute": 19, "second": 21}
